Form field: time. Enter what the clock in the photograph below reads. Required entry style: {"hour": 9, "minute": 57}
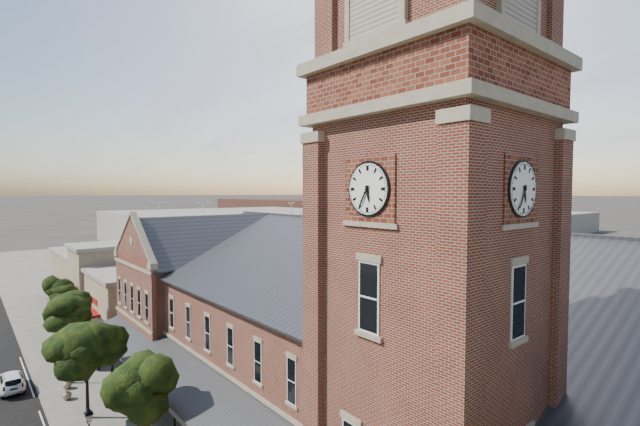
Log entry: {"hour": 5, "minute": 35}
